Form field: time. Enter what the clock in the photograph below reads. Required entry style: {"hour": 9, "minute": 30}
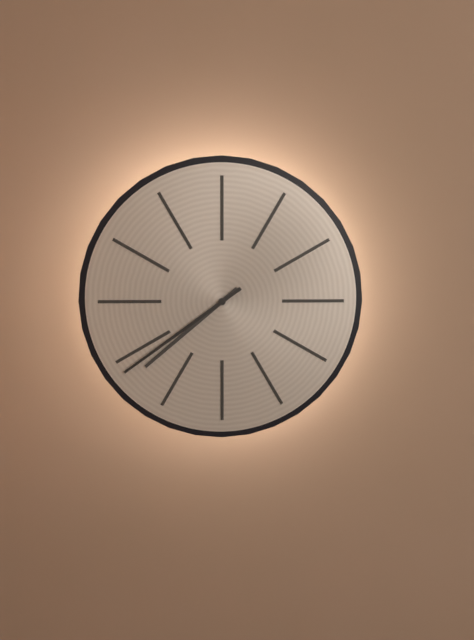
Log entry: {"hour": 7, "minute": 39}
